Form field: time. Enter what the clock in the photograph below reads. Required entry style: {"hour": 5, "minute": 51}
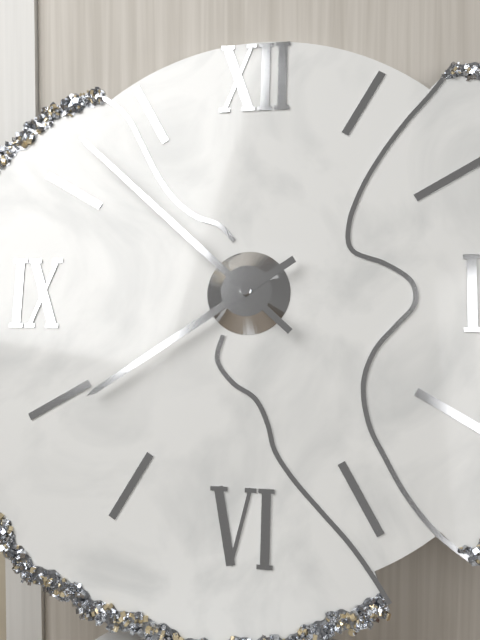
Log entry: {"hour": 7, "minute": 52}
